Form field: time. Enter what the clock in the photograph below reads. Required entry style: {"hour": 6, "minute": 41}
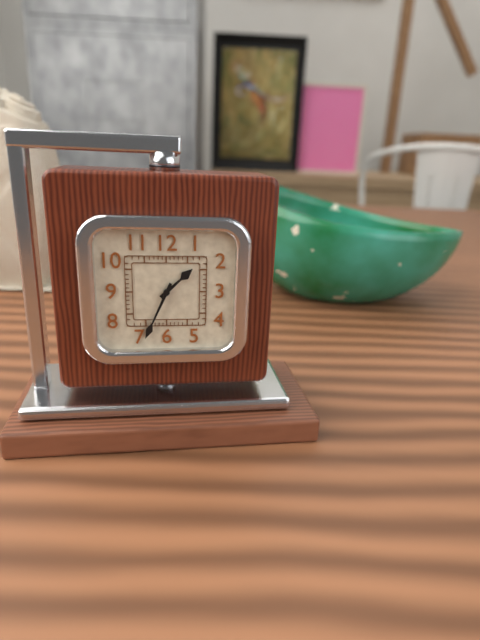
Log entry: {"hour": 1, "minute": 34}
